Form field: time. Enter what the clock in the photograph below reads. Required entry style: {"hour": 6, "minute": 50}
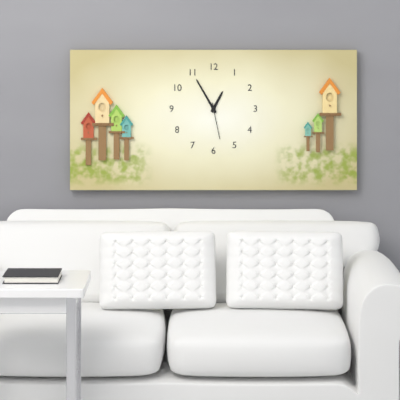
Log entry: {"hour": 12, "minute": 55}
